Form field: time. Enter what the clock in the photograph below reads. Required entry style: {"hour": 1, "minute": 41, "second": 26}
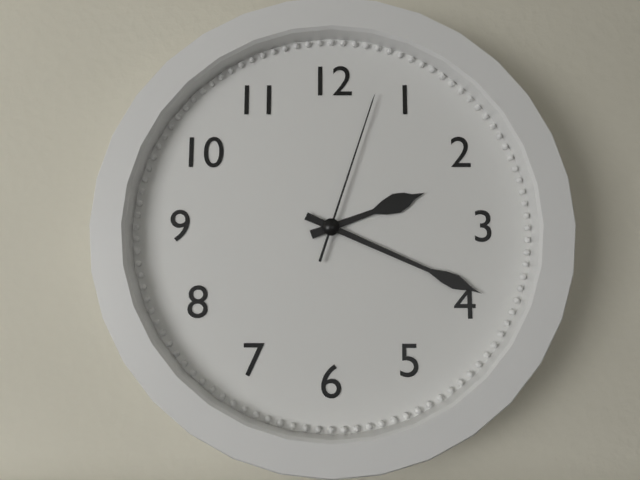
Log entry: {"hour": 2, "minute": 19, "second": 3}
